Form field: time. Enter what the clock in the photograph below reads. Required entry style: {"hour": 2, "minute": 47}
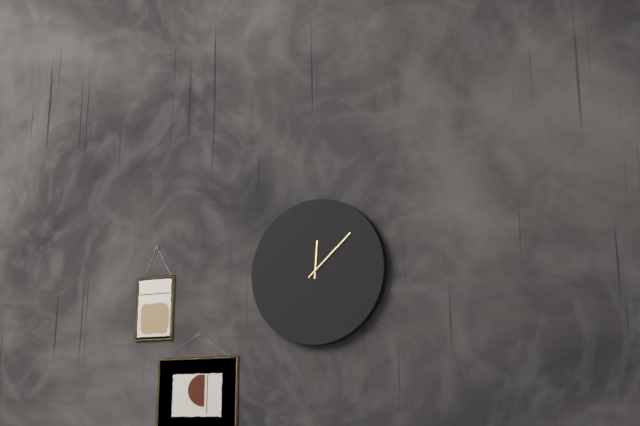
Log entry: {"hour": 12, "minute": 8}
